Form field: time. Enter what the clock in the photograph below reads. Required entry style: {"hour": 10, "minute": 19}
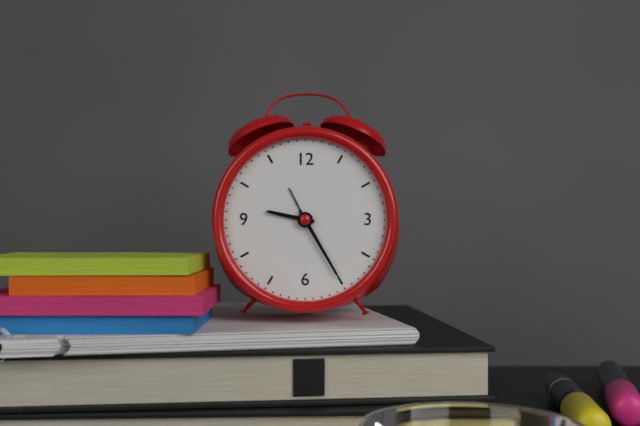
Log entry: {"hour": 9, "minute": 25}
